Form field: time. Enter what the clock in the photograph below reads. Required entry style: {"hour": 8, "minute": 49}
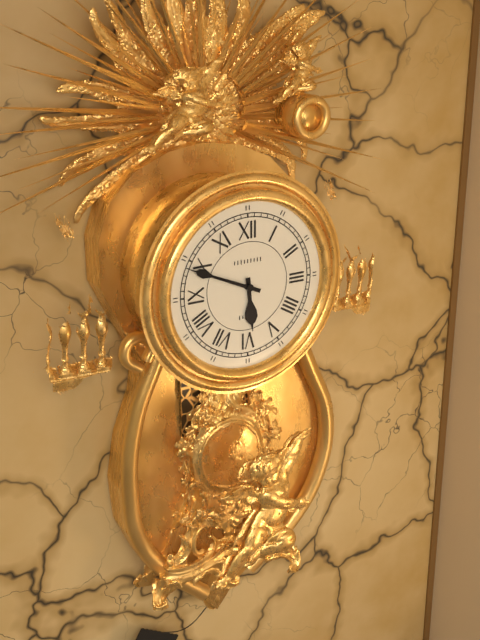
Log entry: {"hour": 5, "minute": 49}
